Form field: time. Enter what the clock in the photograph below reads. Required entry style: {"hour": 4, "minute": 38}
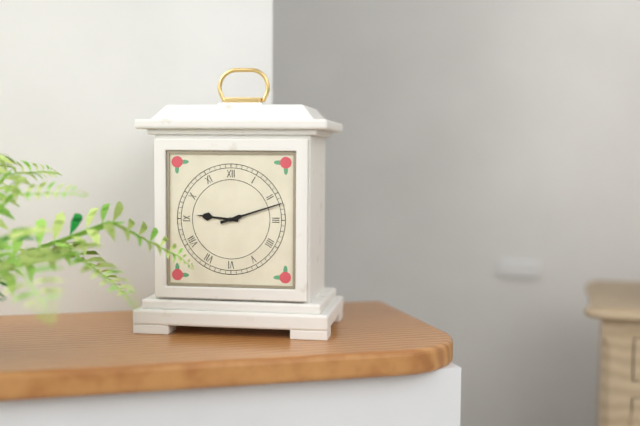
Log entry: {"hour": 9, "minute": 12}
